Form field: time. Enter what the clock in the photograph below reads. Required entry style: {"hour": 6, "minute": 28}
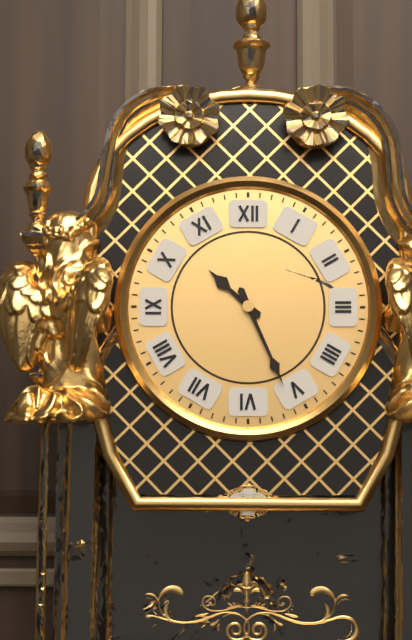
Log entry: {"hour": 10, "minute": 26}
